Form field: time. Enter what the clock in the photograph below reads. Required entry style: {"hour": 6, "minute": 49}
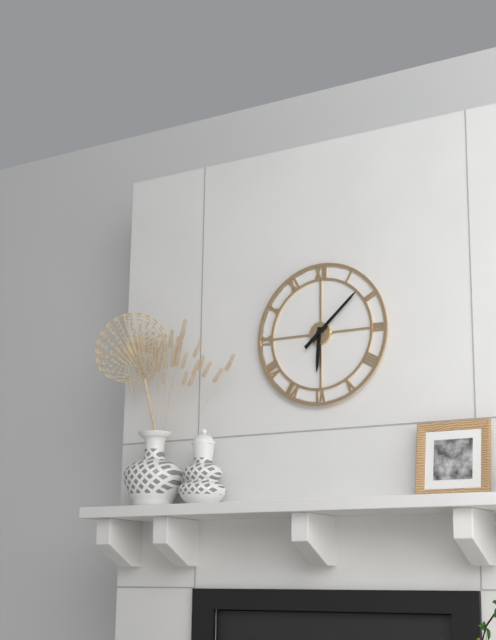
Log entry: {"hour": 6, "minute": 8}
